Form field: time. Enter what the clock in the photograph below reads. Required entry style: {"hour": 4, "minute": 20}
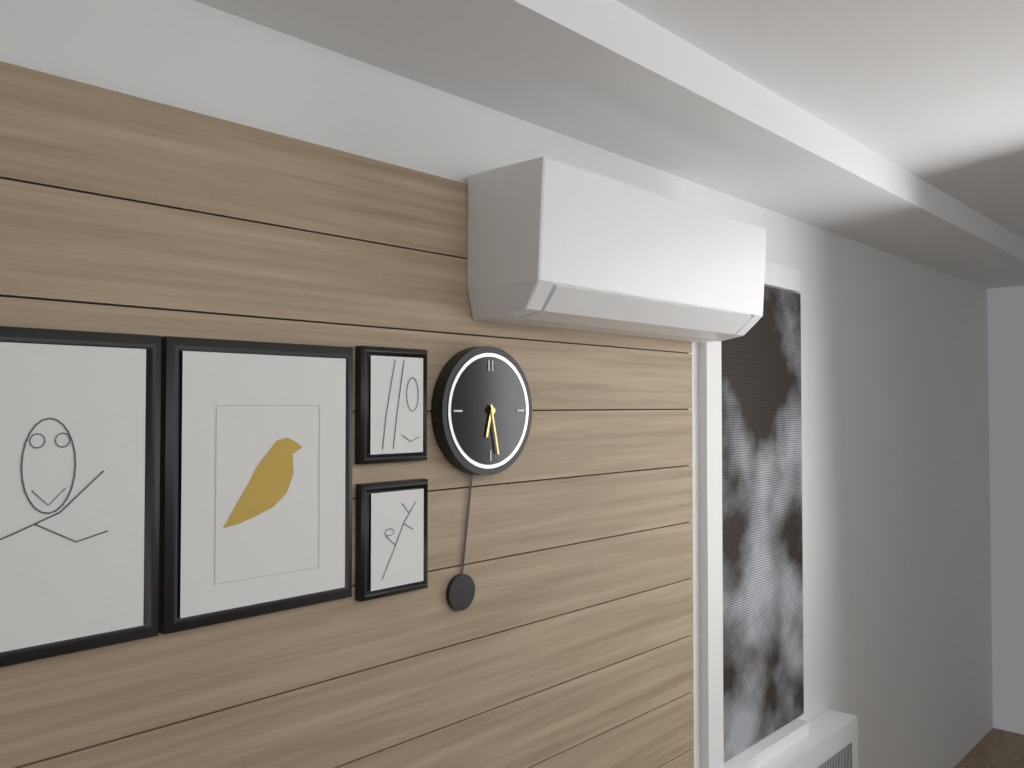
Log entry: {"hour": 6, "minute": 28}
